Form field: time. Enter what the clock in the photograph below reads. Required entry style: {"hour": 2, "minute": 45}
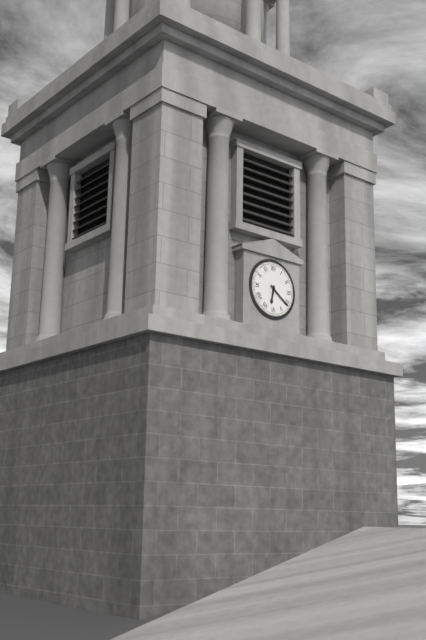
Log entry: {"hour": 6, "minute": 21}
